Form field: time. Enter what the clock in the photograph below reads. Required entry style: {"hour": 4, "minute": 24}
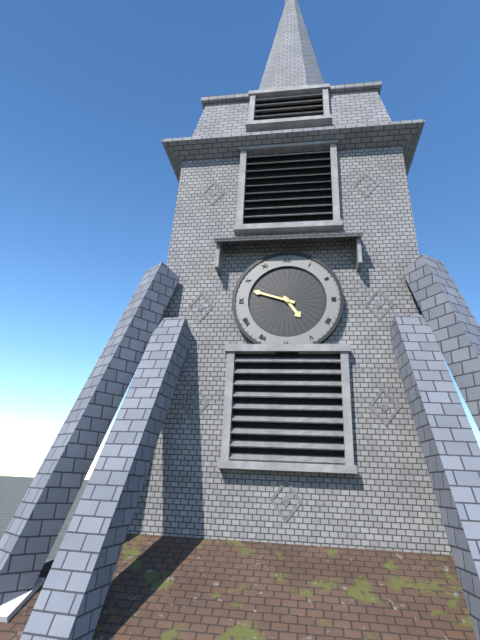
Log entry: {"hour": 4, "minute": 48}
